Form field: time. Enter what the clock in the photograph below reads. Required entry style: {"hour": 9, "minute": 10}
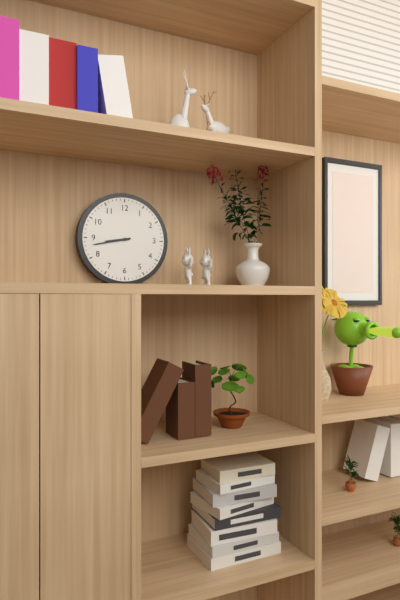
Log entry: {"hour": 8, "minute": 43}
